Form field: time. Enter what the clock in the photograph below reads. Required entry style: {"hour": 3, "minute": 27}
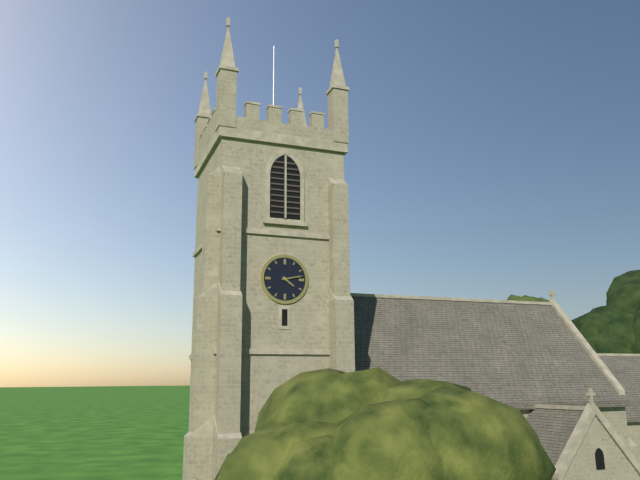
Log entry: {"hour": 4, "minute": 13}
